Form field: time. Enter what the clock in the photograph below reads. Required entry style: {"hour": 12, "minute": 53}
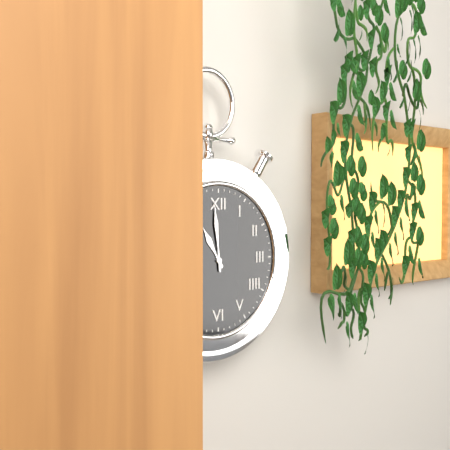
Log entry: {"hour": 10, "minute": 59}
